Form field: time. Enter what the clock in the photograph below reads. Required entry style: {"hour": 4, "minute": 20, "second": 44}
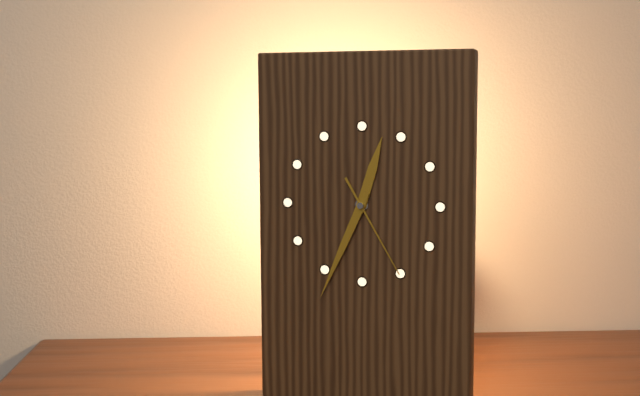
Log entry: {"hour": 12, "minute": 34, "second": 25}
